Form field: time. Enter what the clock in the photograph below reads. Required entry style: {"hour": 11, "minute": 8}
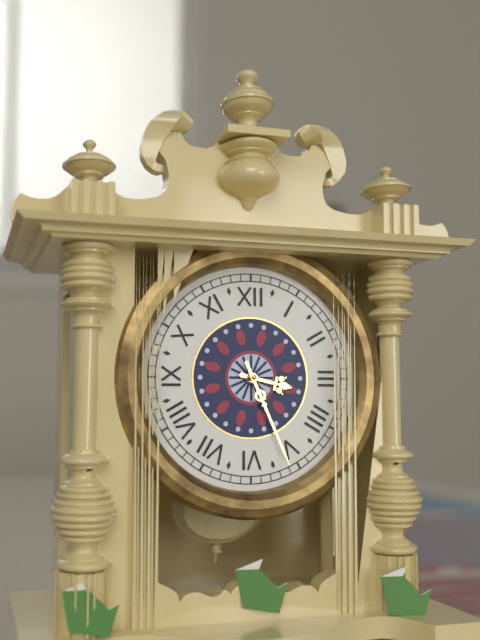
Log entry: {"hour": 3, "minute": 26}
